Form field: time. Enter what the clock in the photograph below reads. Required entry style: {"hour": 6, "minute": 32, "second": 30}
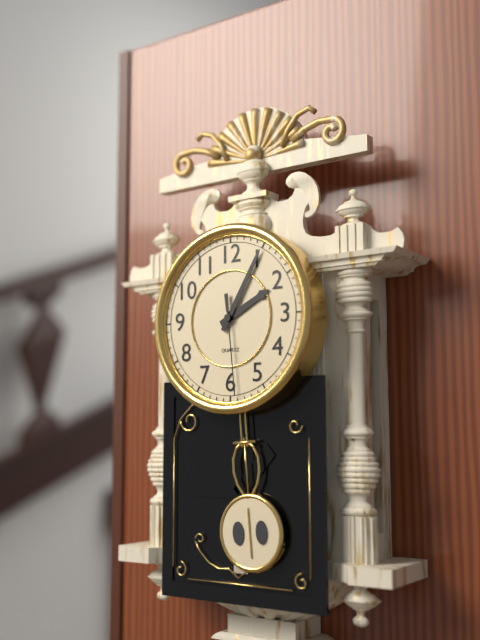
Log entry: {"hour": 2, "minute": 5, "second": 29}
